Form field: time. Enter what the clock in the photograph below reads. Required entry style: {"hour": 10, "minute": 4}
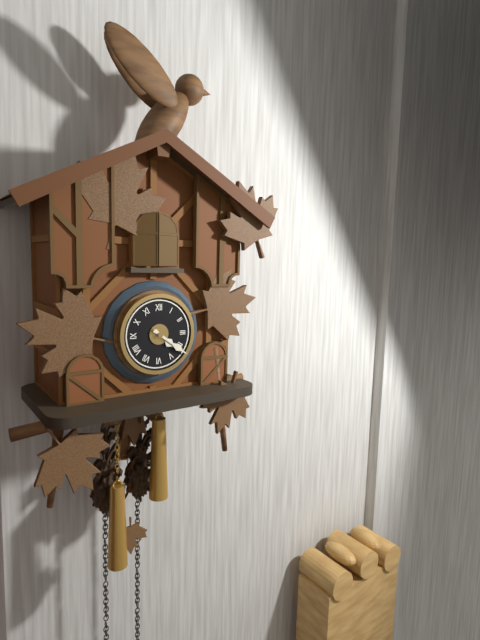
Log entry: {"hour": 4, "minute": 21}
